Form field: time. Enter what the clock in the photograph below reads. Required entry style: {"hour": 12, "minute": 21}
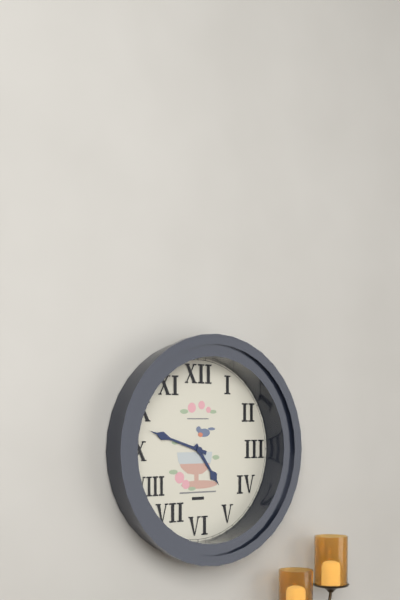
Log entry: {"hour": 4, "minute": 48}
